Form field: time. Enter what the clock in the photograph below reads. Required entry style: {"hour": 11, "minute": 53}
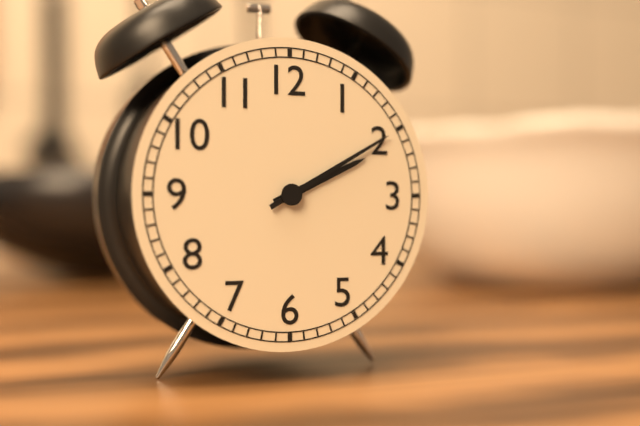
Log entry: {"hour": 2, "minute": 10}
